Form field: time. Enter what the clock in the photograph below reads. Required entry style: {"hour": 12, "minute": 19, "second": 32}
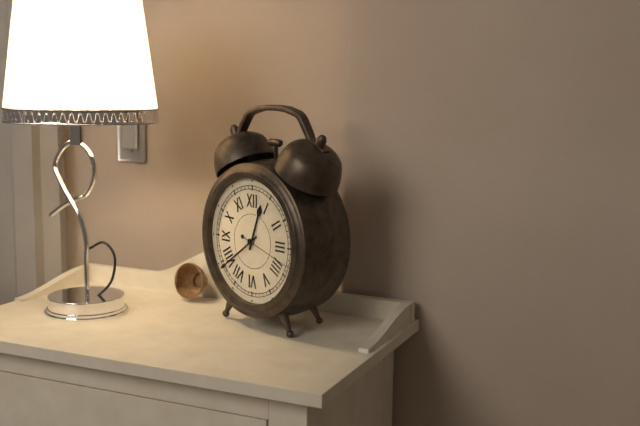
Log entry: {"hour": 12, "minute": 39, "second": 18}
